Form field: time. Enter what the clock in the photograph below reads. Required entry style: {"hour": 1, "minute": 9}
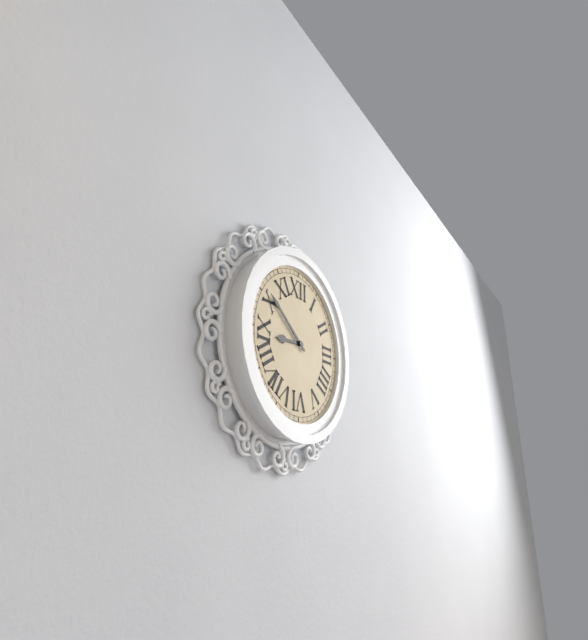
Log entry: {"hour": 8, "minute": 51}
